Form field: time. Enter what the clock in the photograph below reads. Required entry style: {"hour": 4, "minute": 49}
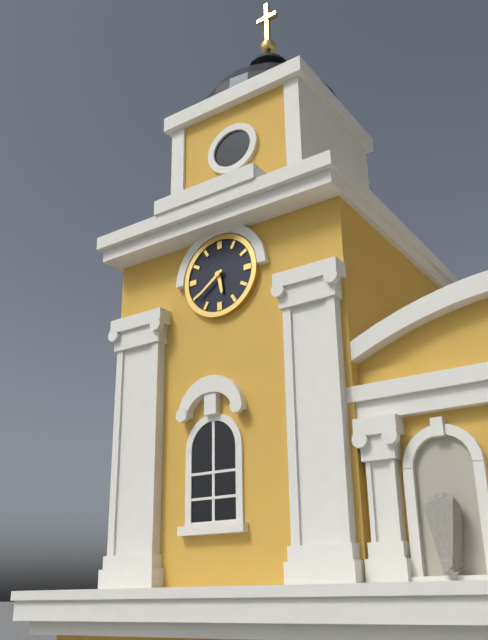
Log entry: {"hour": 5, "minute": 39}
